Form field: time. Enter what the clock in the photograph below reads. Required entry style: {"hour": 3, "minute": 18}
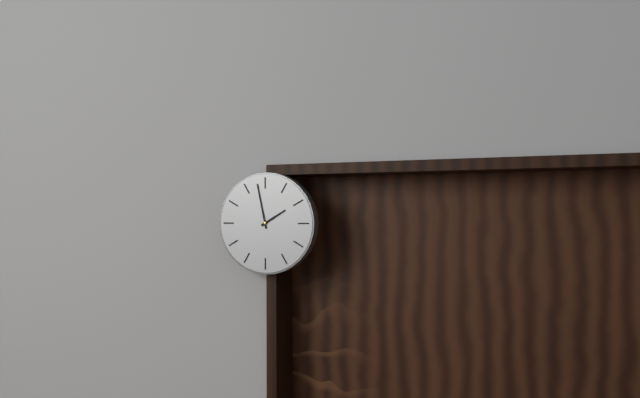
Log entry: {"hour": 1, "minute": 58}
